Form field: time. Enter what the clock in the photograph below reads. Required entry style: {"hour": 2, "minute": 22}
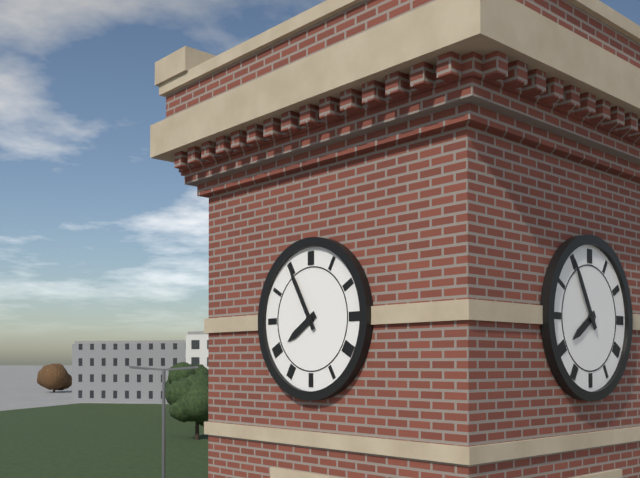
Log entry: {"hour": 7, "minute": 55}
